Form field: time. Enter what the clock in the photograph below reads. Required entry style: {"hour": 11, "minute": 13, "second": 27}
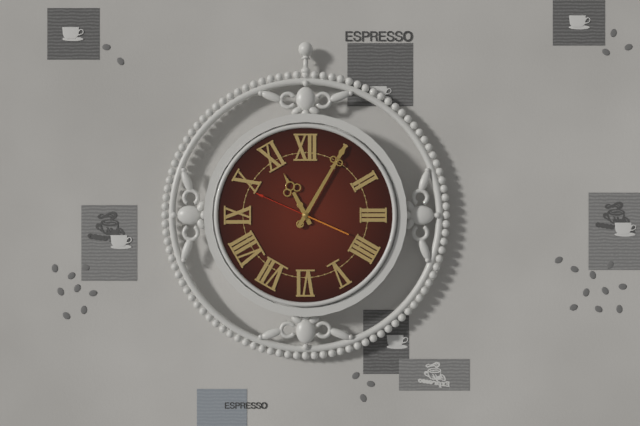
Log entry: {"hour": 11, "minute": 5, "second": 49}
